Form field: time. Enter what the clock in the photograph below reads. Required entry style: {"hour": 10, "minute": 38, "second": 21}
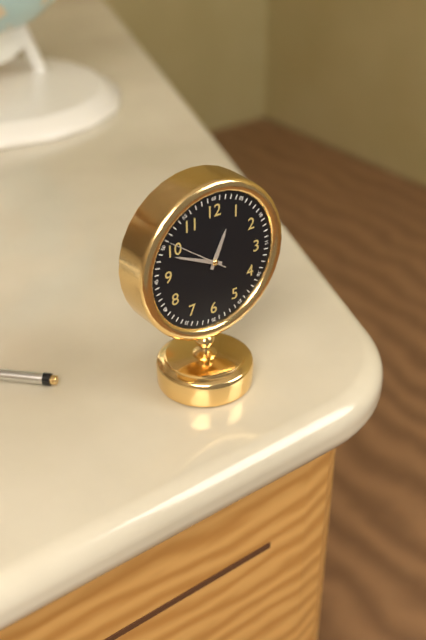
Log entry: {"hour": 12, "minute": 49, "second": 51}
